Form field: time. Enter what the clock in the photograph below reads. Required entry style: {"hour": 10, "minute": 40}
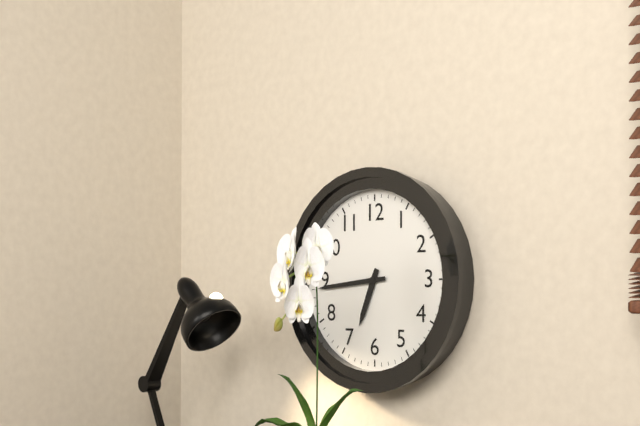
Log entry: {"hour": 6, "minute": 44}
